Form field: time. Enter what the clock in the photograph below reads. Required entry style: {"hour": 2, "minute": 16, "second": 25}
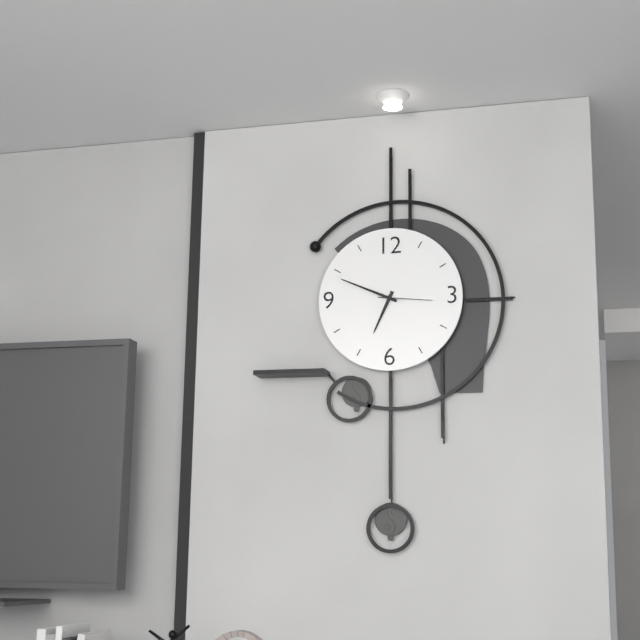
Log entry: {"hour": 6, "minute": 49, "second": 16}
